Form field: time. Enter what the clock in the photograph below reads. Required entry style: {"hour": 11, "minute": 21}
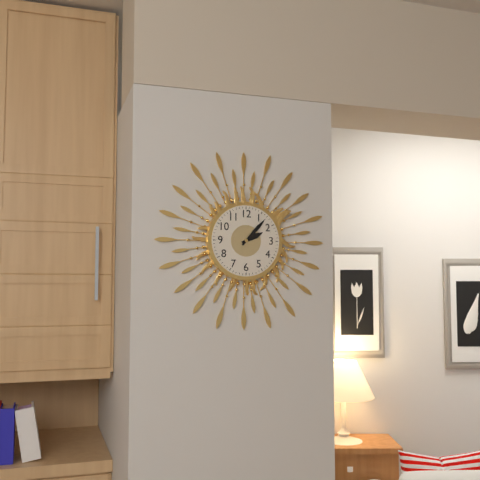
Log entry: {"hour": 2, "minute": 7}
